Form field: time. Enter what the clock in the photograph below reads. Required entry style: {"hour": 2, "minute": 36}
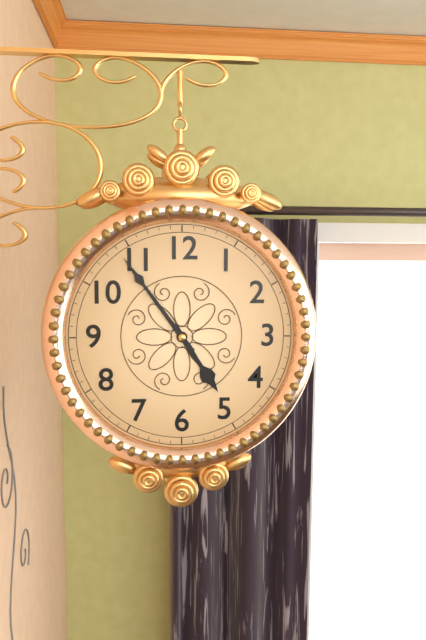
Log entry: {"hour": 4, "minute": 54}
